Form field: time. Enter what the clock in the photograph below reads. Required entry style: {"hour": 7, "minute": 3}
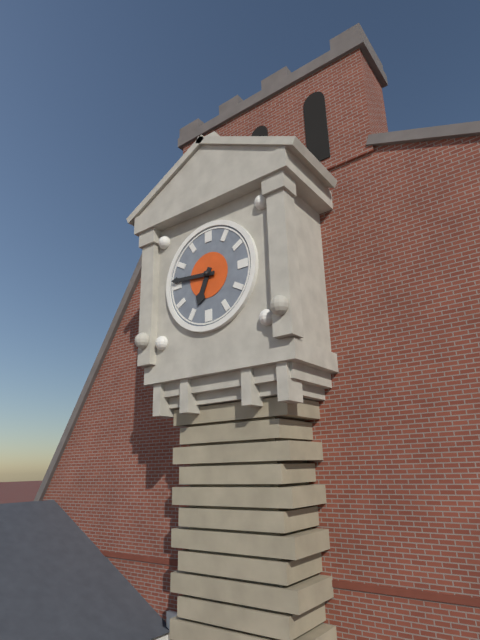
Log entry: {"hour": 6, "minute": 46}
